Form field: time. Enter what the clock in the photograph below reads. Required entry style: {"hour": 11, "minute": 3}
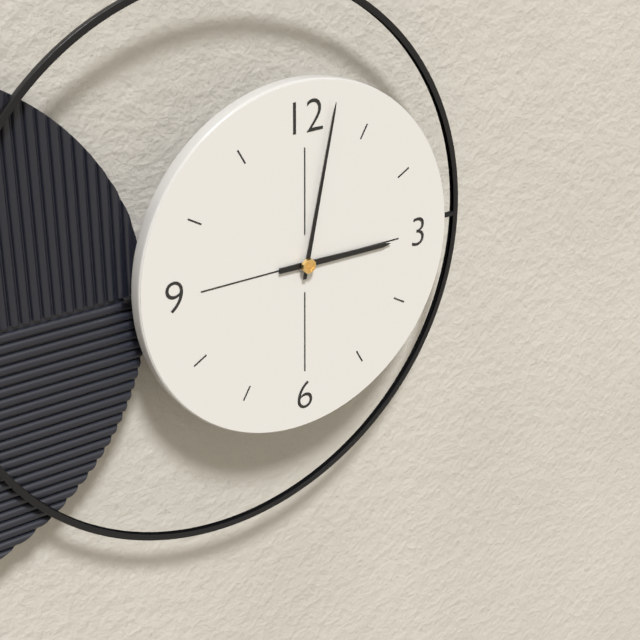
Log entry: {"hour": 3, "minute": 2}
